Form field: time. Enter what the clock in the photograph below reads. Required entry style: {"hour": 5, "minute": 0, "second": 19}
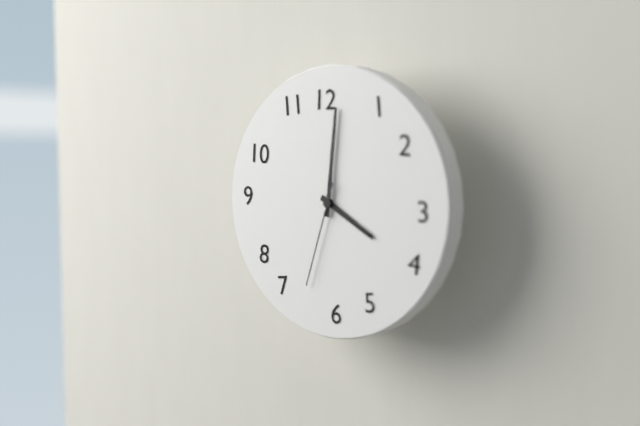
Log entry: {"hour": 4, "minute": 1, "second": 33}
